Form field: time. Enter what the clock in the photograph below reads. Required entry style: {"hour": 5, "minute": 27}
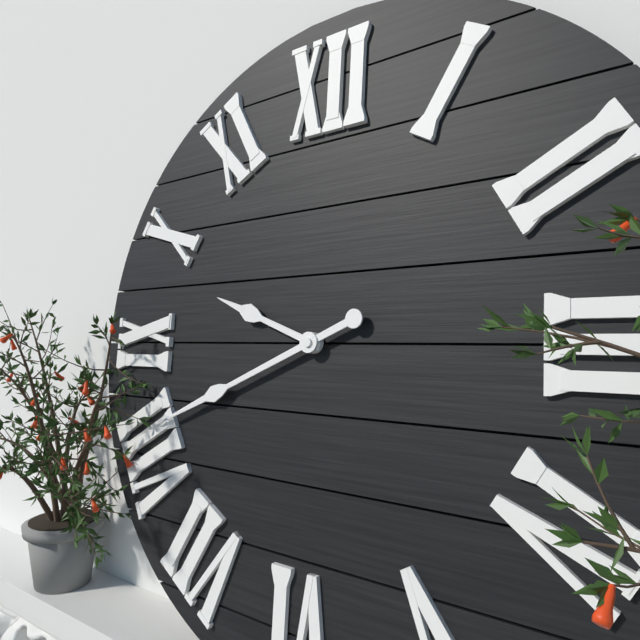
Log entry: {"hour": 9, "minute": 41}
